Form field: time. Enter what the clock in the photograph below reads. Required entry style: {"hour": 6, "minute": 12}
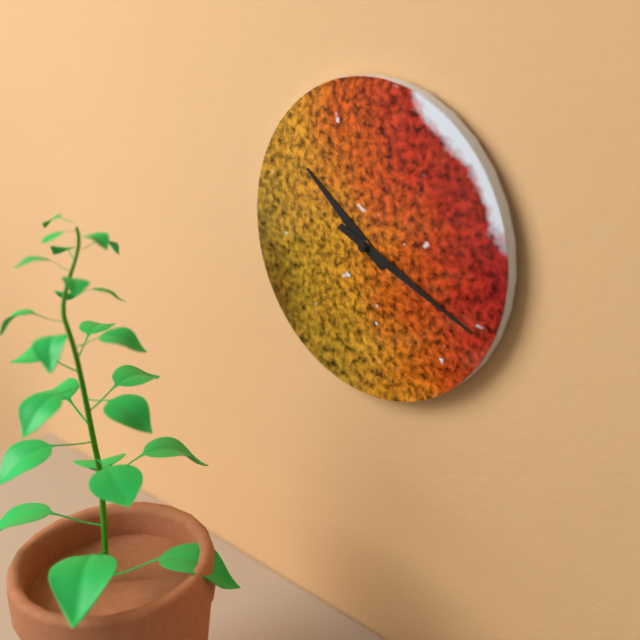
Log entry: {"hour": 10, "minute": 19}
